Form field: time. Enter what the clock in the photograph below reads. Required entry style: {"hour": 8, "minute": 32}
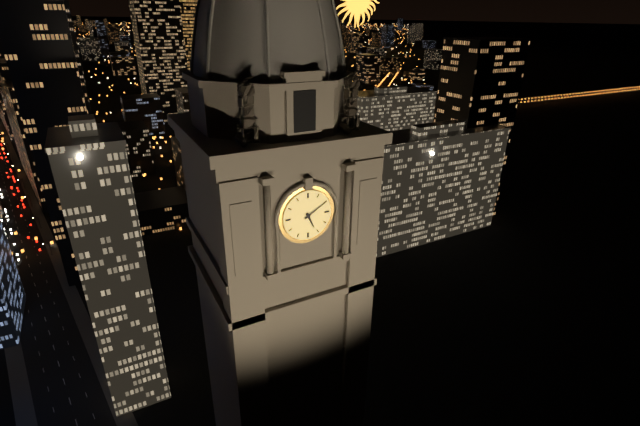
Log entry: {"hour": 5, "minute": 10}
